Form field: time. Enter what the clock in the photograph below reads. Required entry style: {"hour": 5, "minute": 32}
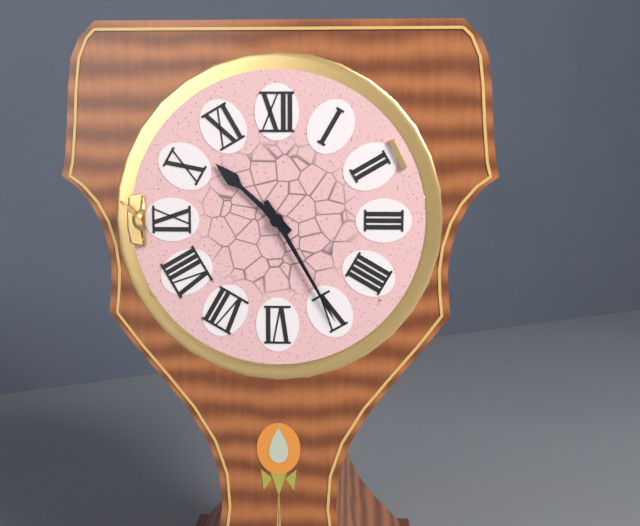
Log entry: {"hour": 10, "minute": 25}
